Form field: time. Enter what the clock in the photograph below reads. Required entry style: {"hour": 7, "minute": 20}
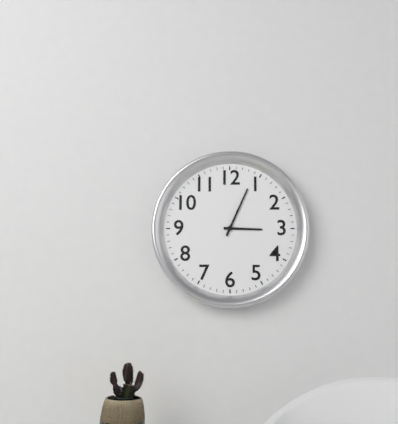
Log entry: {"hour": 3, "minute": 4}
